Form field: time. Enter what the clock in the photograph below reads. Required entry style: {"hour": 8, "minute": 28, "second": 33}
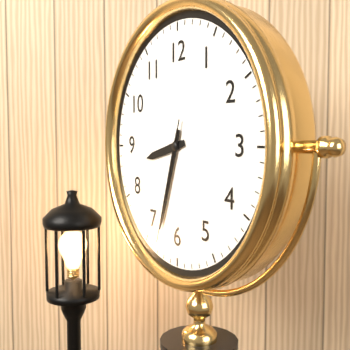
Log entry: {"hour": 8, "minute": 33, "second": 33}
